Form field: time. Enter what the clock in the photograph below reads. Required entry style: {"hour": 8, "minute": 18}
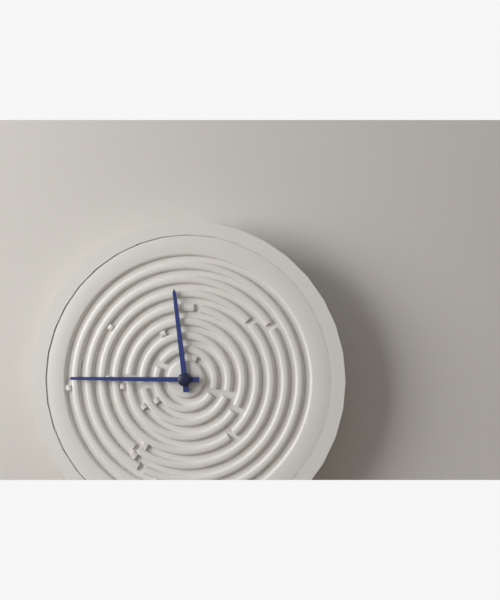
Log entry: {"hour": 11, "minute": 45}
